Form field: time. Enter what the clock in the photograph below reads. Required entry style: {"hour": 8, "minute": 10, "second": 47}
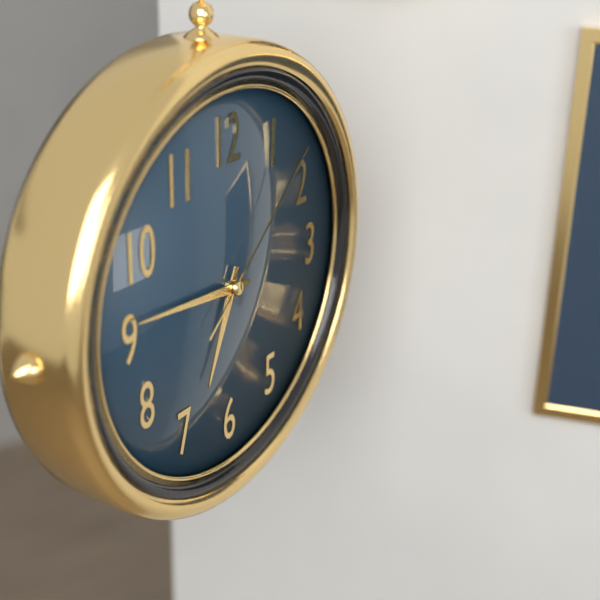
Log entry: {"hour": 6, "minute": 46, "second": 8}
